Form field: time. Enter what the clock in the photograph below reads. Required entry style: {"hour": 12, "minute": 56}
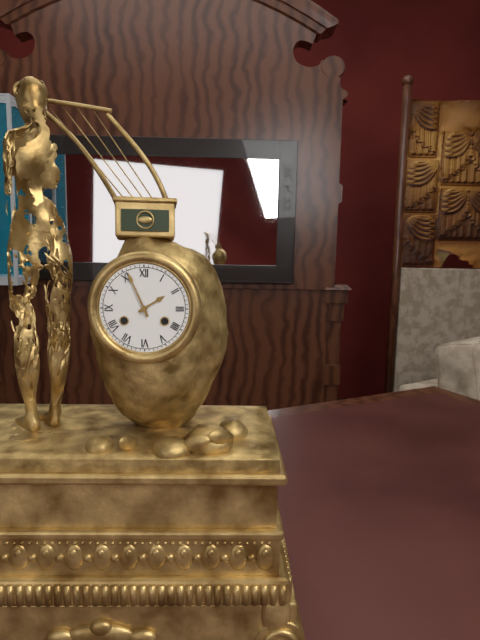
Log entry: {"hour": 1, "minute": 56}
